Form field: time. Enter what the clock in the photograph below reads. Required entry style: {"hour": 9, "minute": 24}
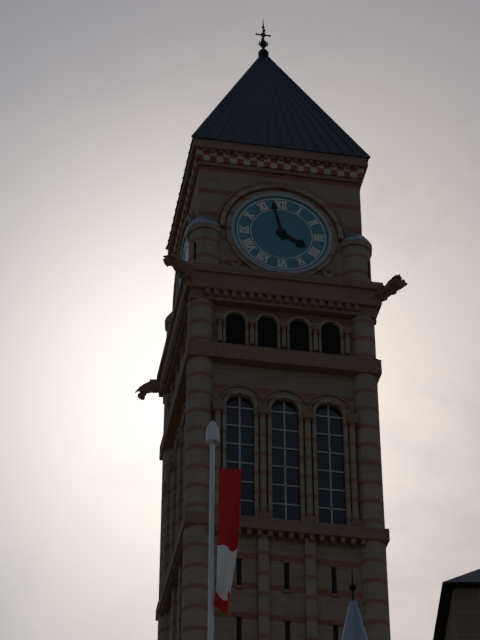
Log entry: {"hour": 3, "minute": 58}
